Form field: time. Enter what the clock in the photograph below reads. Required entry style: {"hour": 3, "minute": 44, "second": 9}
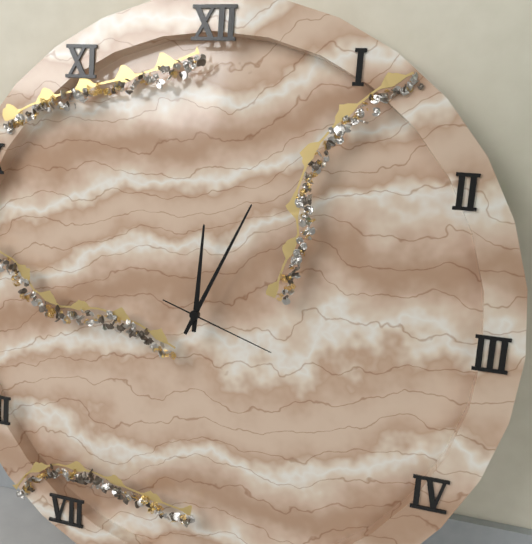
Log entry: {"hour": 12, "minute": 4, "second": 18}
